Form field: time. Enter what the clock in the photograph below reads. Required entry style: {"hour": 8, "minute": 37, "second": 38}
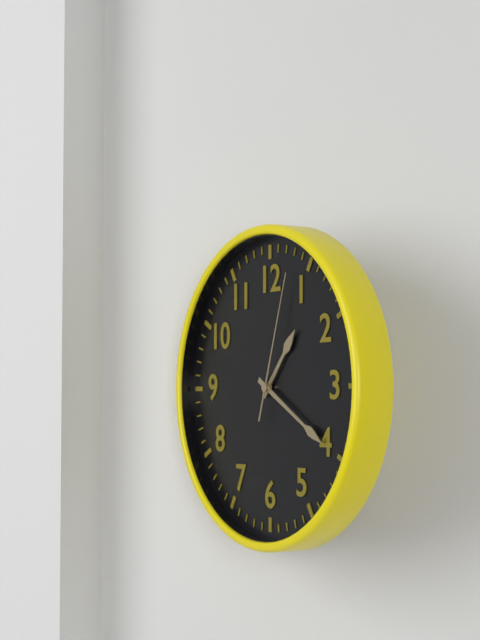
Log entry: {"hour": 1, "minute": 20, "second": 3}
